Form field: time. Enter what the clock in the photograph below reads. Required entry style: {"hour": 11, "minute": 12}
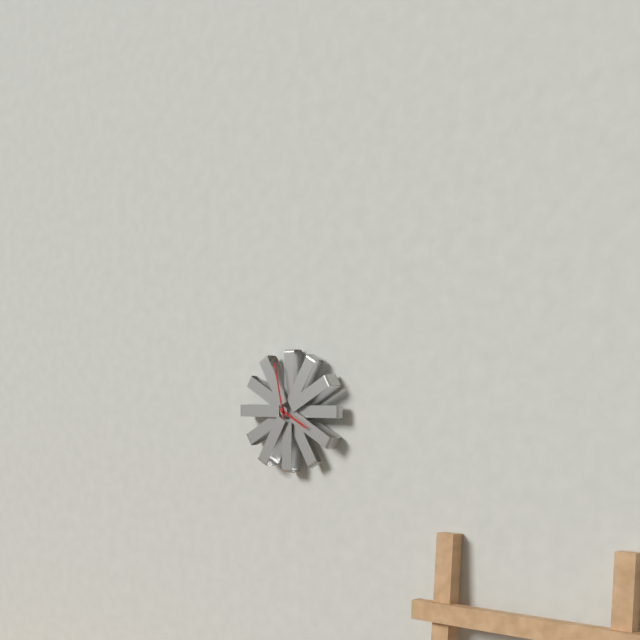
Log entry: {"hour": 3, "minute": 58}
